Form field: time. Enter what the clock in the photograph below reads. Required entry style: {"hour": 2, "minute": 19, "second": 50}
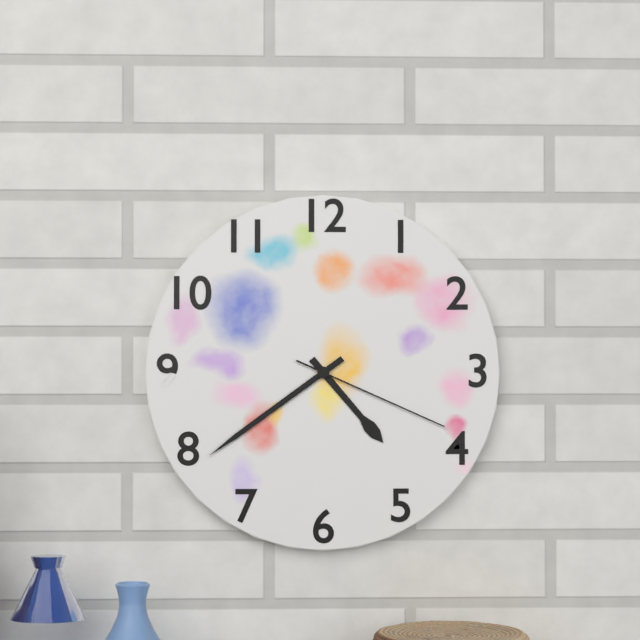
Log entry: {"hour": 4, "minute": 39, "second": 19}
